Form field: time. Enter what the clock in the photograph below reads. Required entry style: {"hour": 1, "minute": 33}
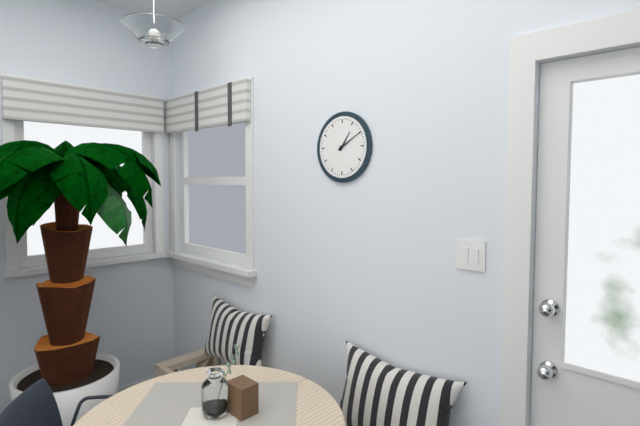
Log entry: {"hour": 1, "minute": 10}
